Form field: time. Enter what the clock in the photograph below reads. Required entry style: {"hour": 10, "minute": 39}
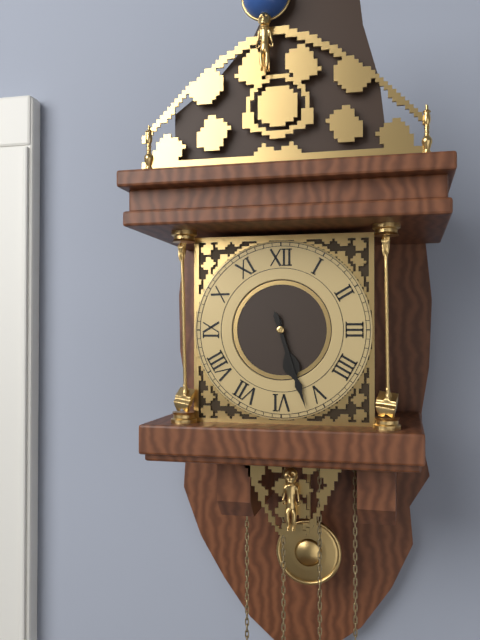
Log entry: {"hour": 5, "minute": 27}
